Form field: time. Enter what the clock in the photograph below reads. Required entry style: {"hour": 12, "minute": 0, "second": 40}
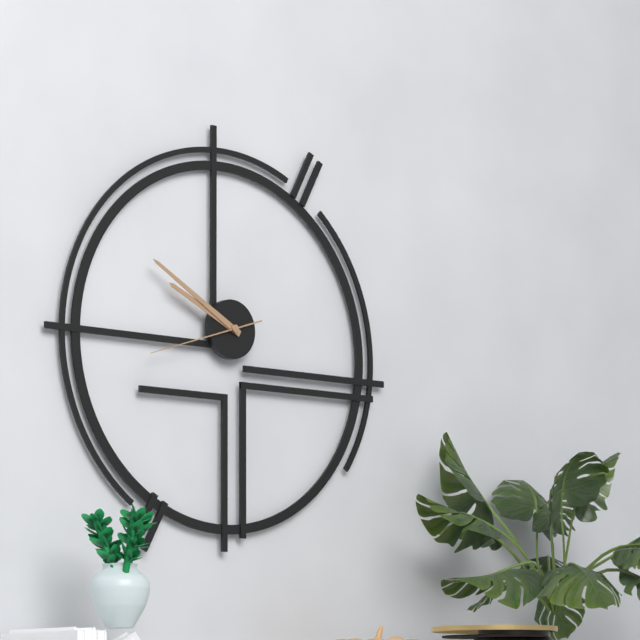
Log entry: {"hour": 9, "minute": 50, "second": 42}
